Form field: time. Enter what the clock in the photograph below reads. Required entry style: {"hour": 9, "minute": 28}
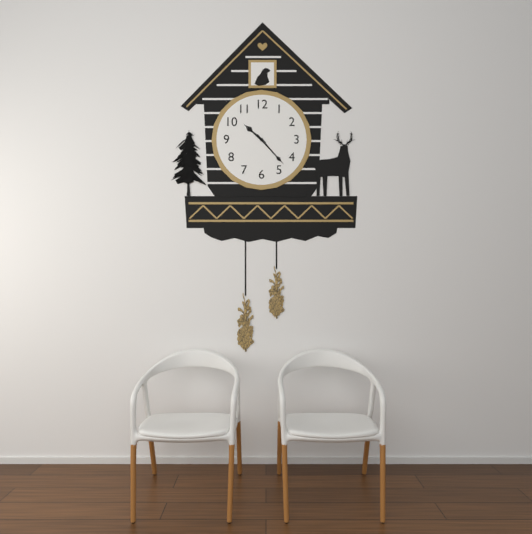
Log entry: {"hour": 10, "minute": 23}
